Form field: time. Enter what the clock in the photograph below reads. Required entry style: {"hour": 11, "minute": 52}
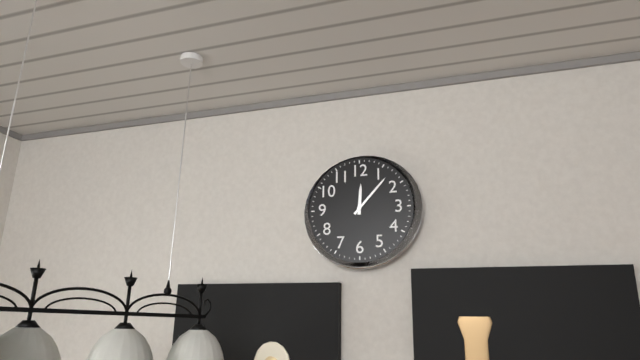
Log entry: {"hour": 12, "minute": 7}
